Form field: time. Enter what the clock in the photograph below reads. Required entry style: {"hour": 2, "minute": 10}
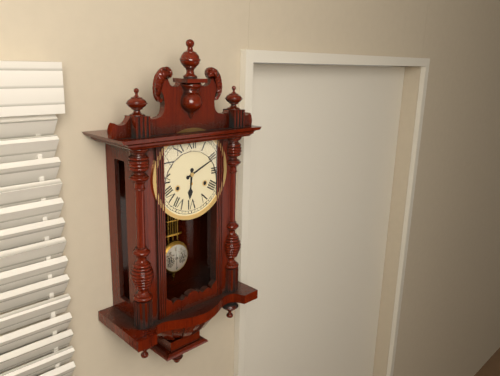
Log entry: {"hour": 6, "minute": 11}
